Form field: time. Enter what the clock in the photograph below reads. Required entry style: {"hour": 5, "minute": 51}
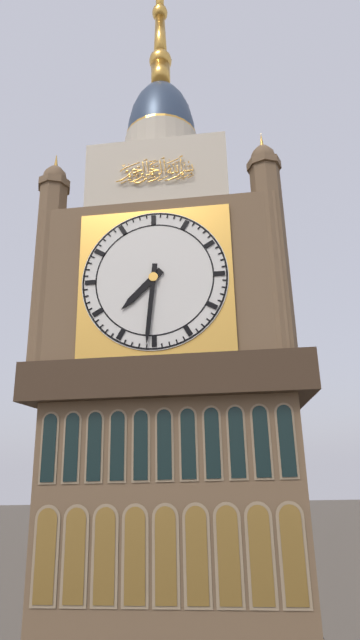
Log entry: {"hour": 7, "minute": 31}
